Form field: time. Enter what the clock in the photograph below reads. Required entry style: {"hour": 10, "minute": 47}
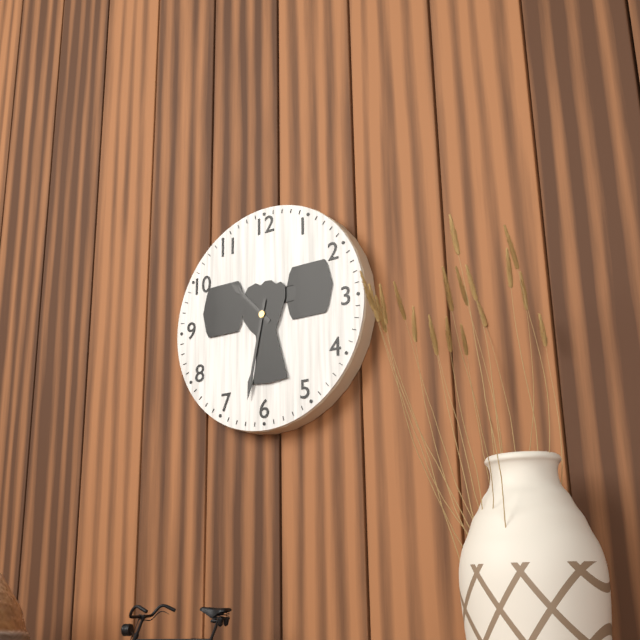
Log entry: {"hour": 10, "minute": 32}
